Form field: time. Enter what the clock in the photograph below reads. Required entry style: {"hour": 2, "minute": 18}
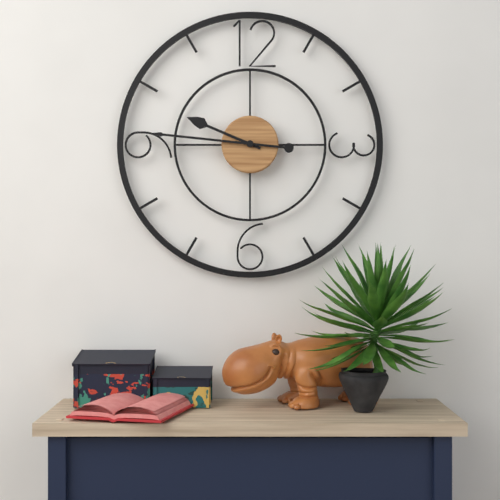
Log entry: {"hour": 9, "minute": 46}
